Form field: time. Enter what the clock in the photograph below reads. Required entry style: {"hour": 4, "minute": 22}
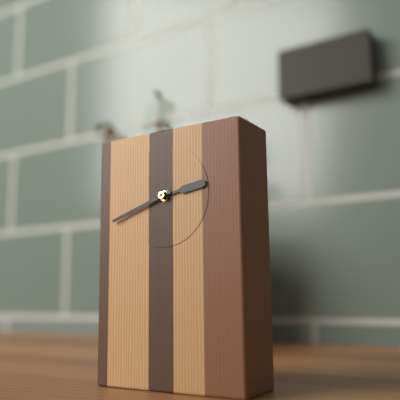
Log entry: {"hour": 2, "minute": 42}
